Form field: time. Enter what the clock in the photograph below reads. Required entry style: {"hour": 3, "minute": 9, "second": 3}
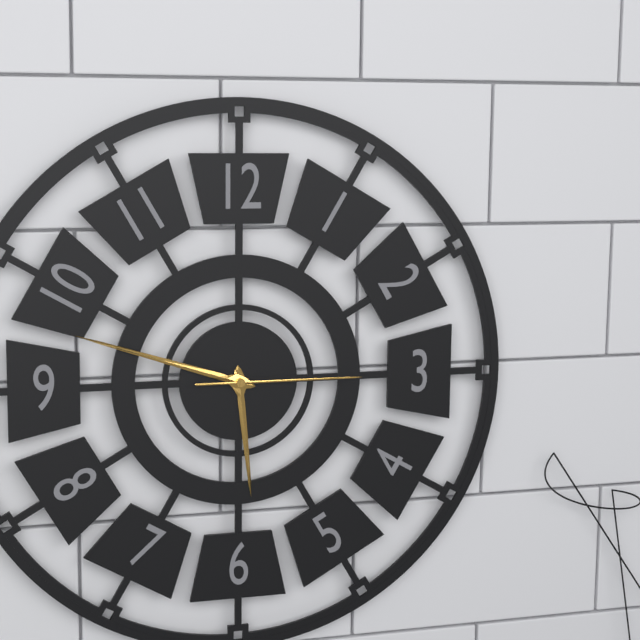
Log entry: {"hour": 5, "minute": 48, "second": 15}
